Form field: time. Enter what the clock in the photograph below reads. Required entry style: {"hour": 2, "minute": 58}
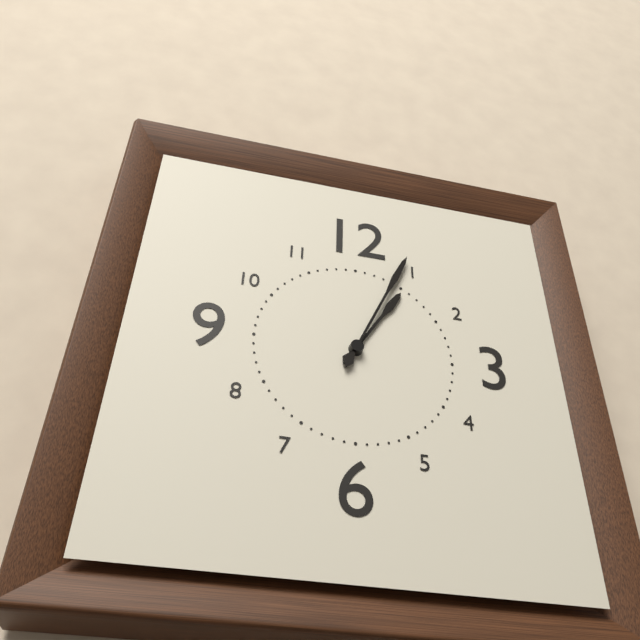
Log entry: {"hour": 1, "minute": 4}
